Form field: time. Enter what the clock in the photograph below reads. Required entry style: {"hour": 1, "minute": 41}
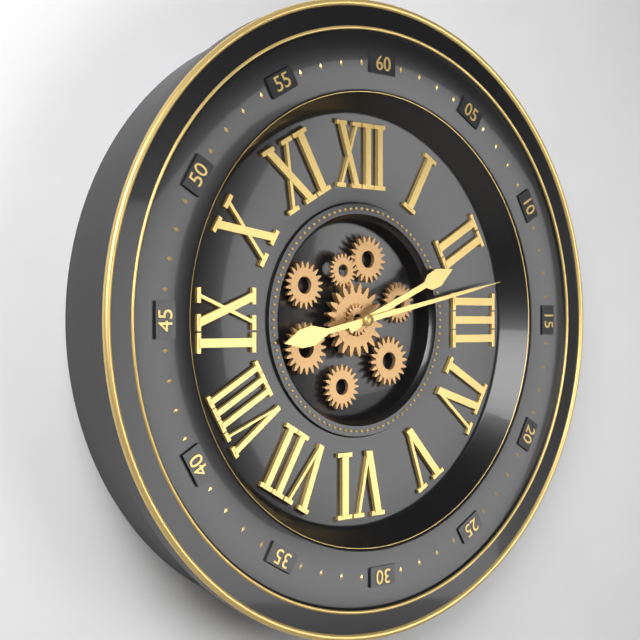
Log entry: {"hour": 2, "minute": 13}
